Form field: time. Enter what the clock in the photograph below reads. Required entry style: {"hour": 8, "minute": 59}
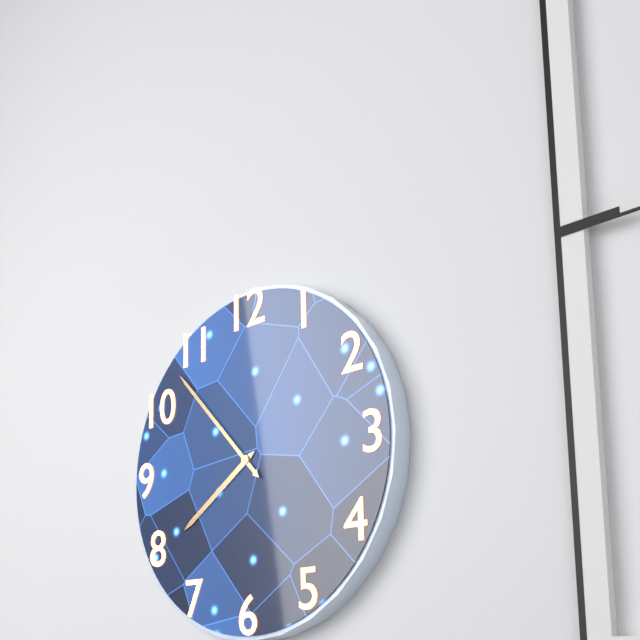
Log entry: {"hour": 7, "minute": 53}
